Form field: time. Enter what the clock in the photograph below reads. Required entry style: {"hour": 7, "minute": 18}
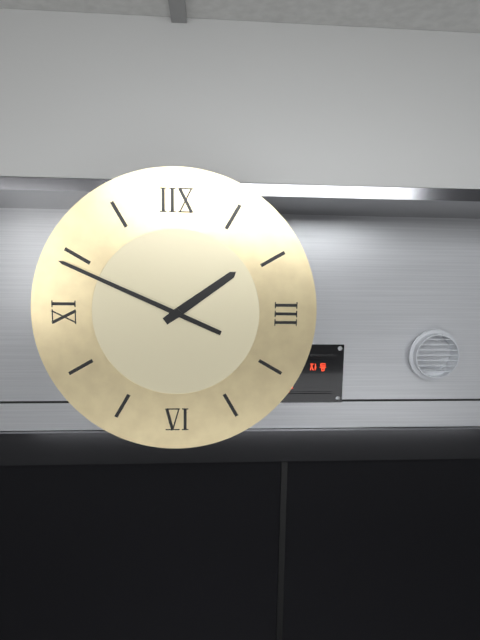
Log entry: {"hour": 1, "minute": 49}
